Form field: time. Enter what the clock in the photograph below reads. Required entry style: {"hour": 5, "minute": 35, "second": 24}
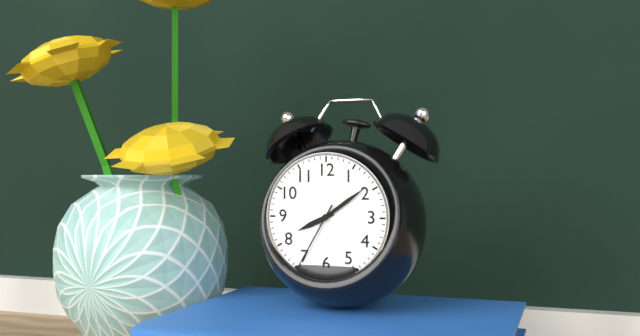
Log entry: {"hour": 8, "minute": 9, "second": 35}
